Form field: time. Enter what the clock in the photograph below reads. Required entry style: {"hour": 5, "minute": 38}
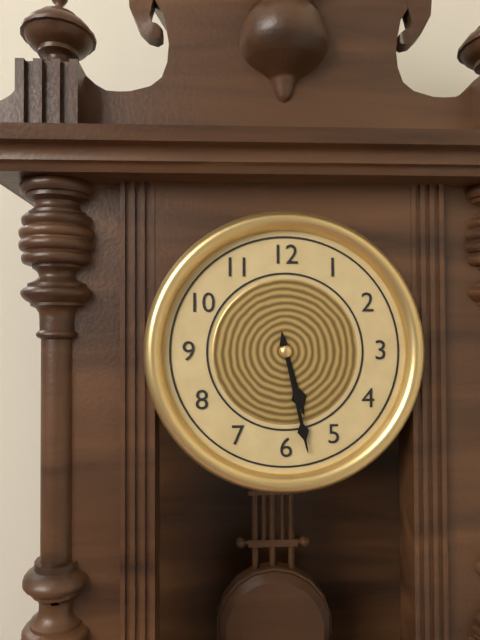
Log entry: {"hour": 5, "minute": 28}
